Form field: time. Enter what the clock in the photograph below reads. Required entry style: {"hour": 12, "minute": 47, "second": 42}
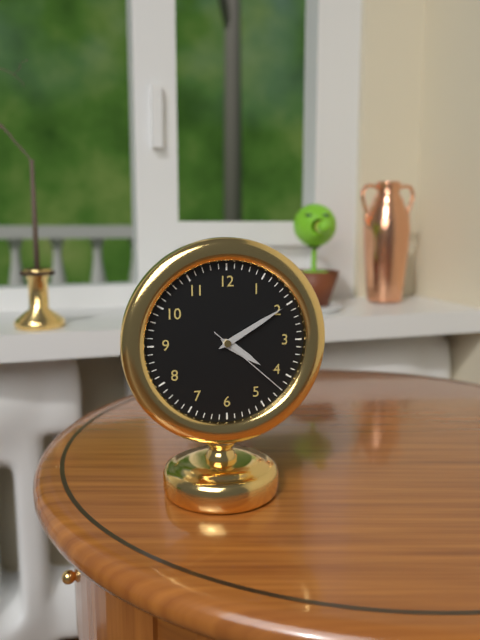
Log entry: {"hour": 4, "minute": 10, "second": 22}
